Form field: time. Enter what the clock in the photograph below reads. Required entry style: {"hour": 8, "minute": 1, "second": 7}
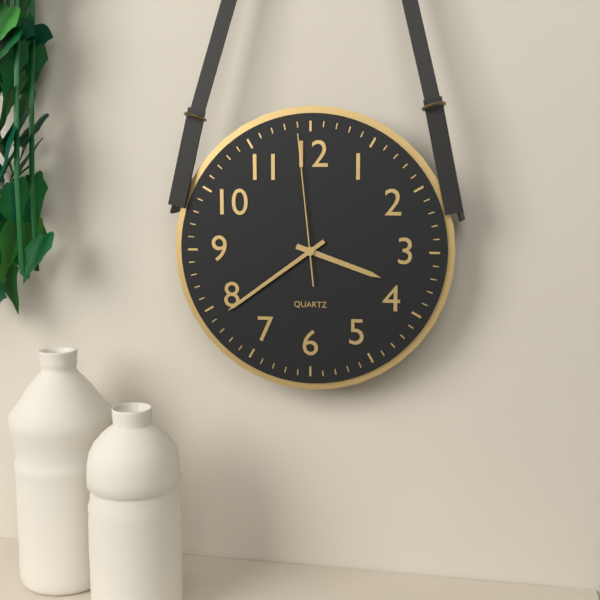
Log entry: {"hour": 3, "minute": 39, "second": 59}
